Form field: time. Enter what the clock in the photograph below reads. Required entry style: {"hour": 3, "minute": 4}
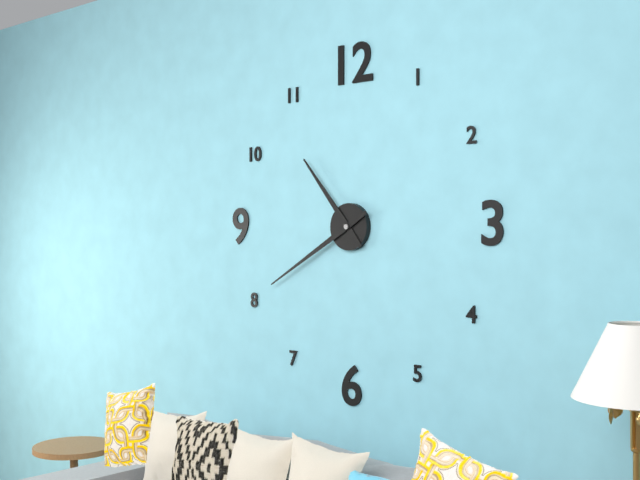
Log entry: {"hour": 10, "minute": 40}
